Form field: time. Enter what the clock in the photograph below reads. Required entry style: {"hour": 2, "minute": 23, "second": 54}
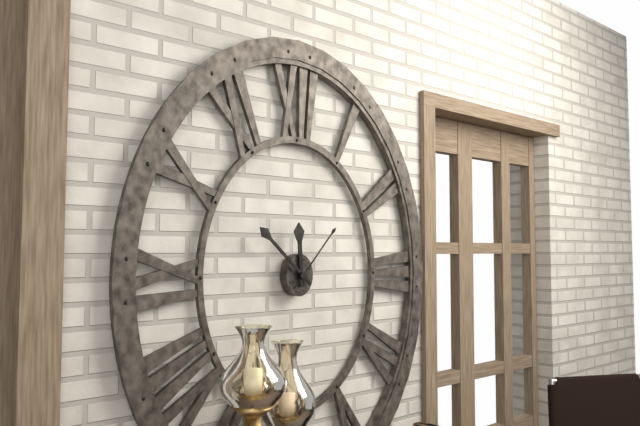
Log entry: {"hour": 11, "minute": 52, "second": 7}
